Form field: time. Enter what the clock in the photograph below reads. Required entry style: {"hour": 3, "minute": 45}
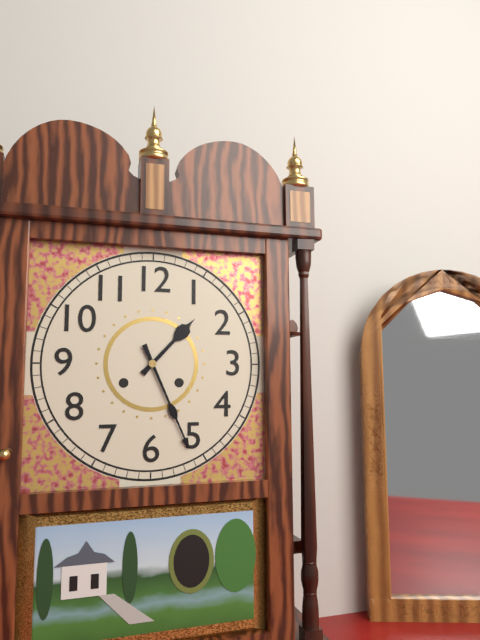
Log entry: {"hour": 1, "minute": 26}
